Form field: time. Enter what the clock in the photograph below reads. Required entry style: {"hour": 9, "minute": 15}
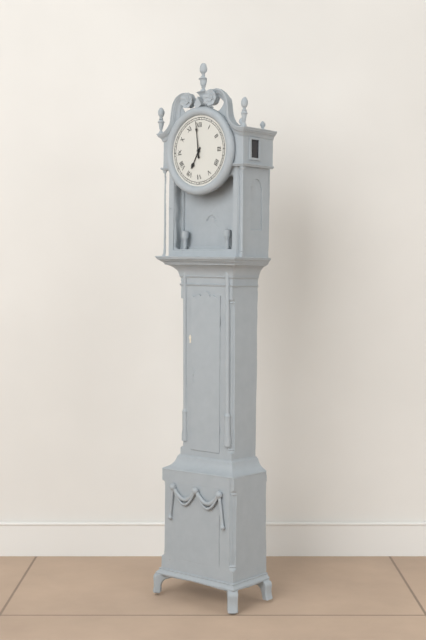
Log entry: {"hour": 6, "minute": 59}
